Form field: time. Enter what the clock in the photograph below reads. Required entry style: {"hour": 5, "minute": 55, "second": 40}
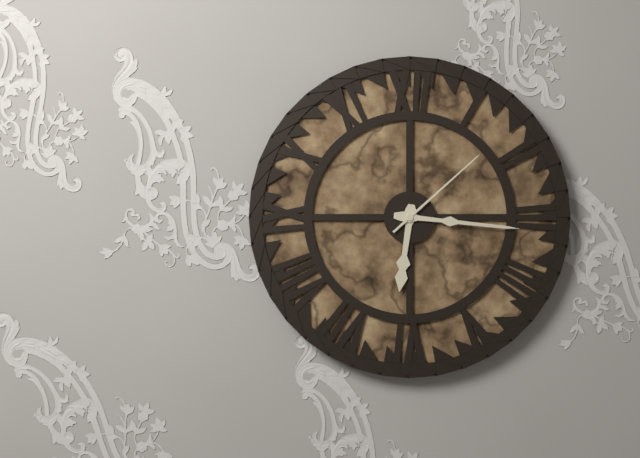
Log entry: {"hour": 6, "minute": 16, "second": 8}
